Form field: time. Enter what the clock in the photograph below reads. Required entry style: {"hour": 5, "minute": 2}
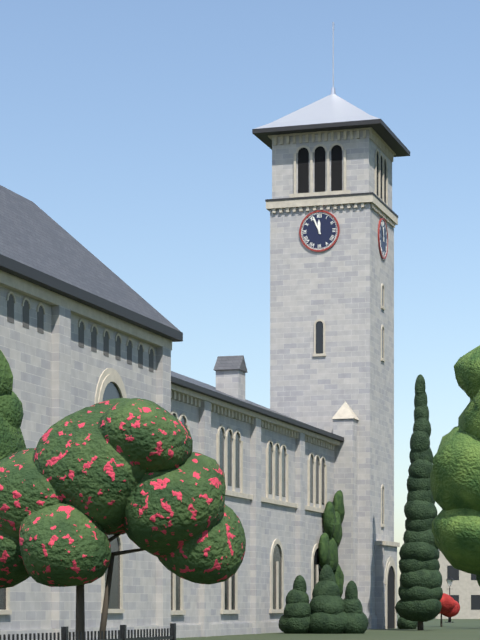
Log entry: {"hour": 11, "minute": 56}
